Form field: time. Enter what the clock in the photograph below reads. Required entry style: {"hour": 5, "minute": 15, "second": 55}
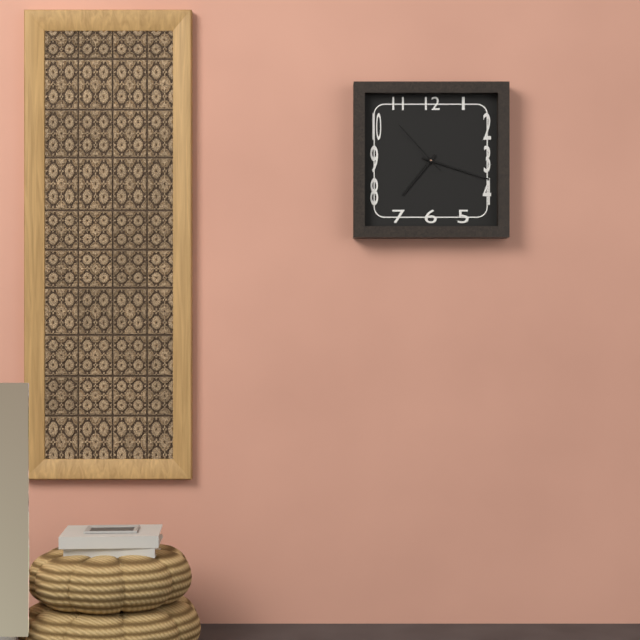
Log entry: {"hour": 7, "minute": 18, "second": 53}
